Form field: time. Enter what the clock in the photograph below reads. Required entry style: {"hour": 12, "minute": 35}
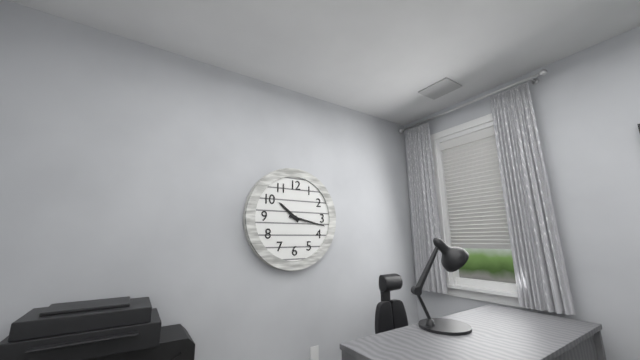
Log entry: {"hour": 10, "minute": 17}
